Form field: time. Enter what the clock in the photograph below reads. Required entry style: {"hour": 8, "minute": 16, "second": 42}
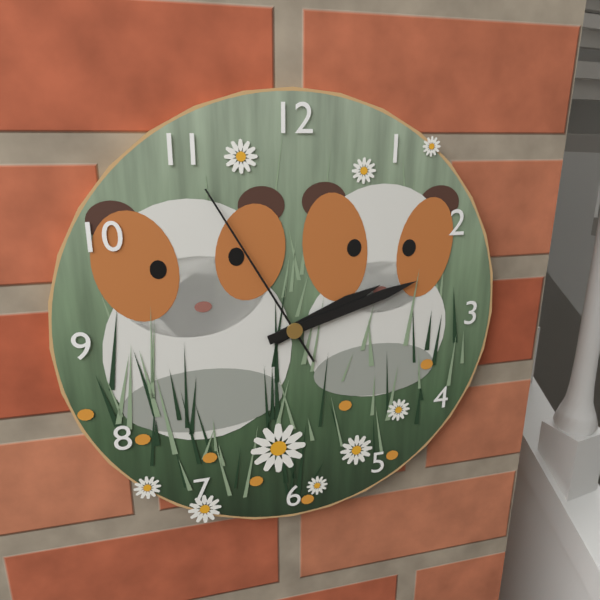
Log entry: {"hour": 2, "minute": 12, "second": 55}
